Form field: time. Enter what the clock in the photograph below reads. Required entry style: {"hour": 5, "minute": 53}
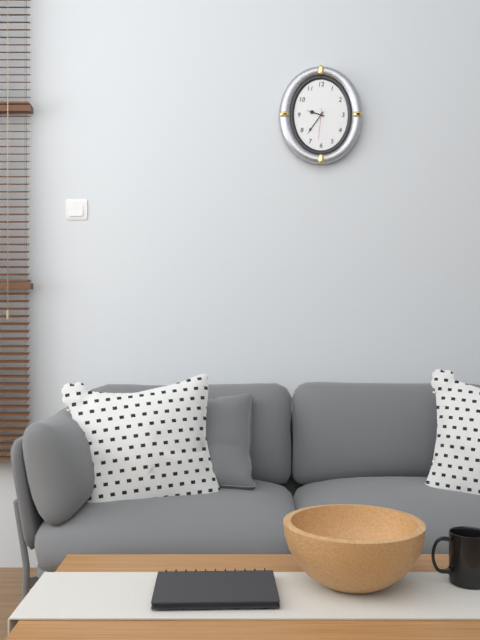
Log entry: {"hour": 9, "minute": 36}
